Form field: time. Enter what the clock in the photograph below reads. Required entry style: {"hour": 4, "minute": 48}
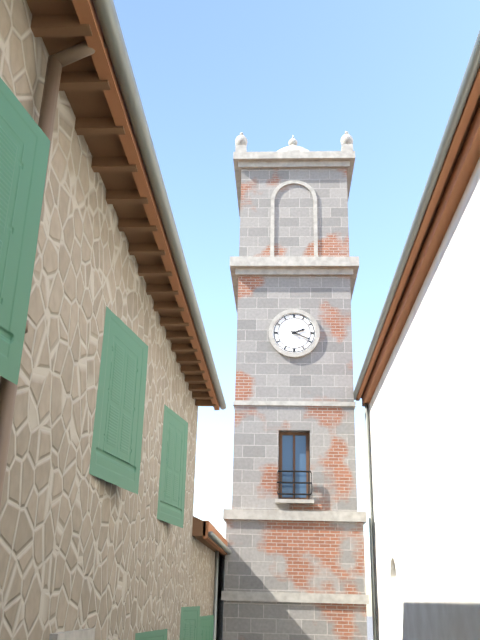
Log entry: {"hour": 2, "minute": 19}
